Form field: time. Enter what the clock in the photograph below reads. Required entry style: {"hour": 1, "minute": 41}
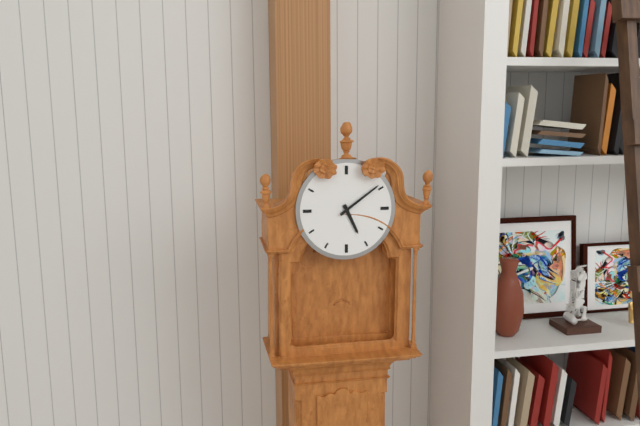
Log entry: {"hour": 5, "minute": 9}
